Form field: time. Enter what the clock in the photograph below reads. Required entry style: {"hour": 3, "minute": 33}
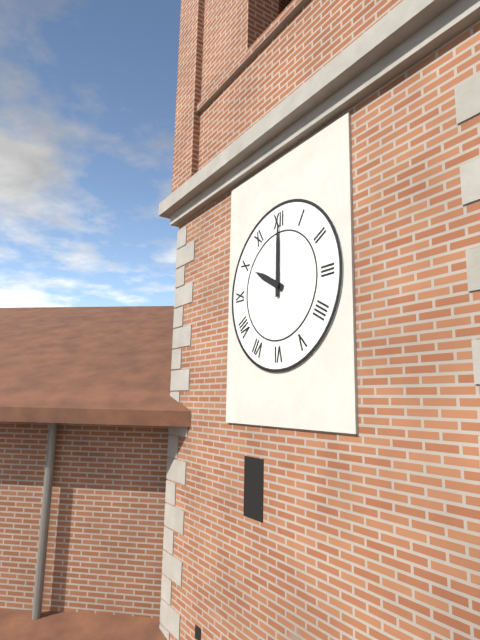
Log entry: {"hour": 10, "minute": 0}
